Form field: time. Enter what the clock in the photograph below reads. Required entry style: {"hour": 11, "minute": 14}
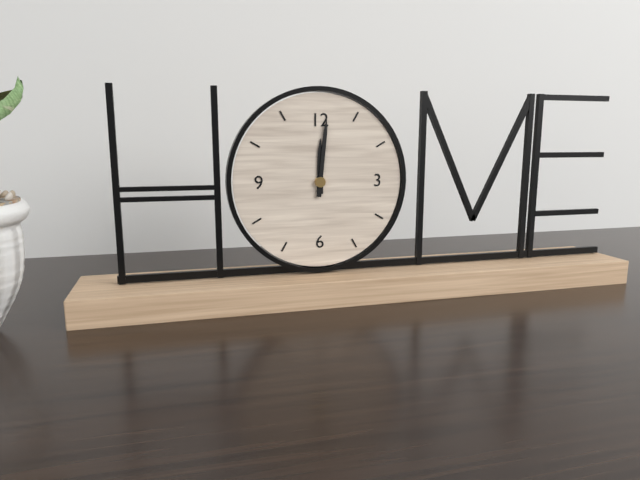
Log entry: {"hour": 12, "minute": 1}
